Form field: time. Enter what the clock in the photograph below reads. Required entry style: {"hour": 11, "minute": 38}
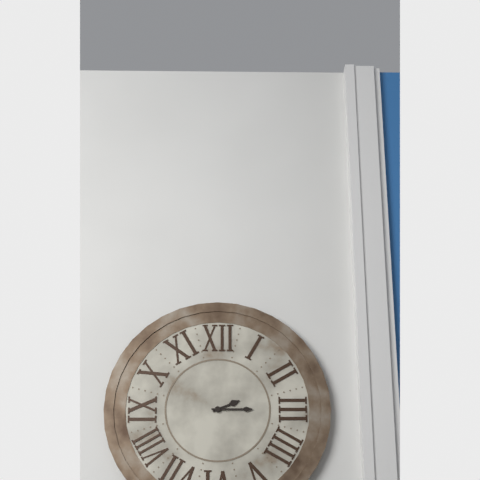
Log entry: {"hour": 2, "minute": 15}
